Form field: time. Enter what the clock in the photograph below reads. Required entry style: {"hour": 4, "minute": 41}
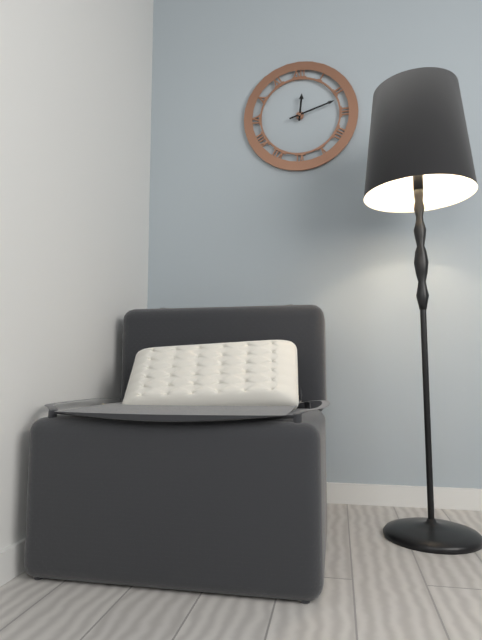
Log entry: {"hour": 12, "minute": 12}
